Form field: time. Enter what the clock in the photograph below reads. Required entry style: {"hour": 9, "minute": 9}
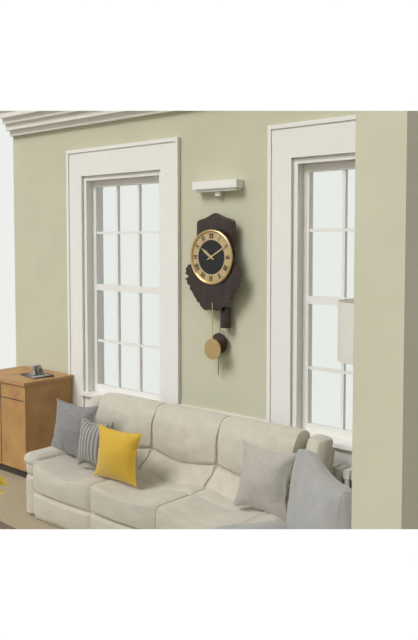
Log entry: {"hour": 10, "minute": 10}
